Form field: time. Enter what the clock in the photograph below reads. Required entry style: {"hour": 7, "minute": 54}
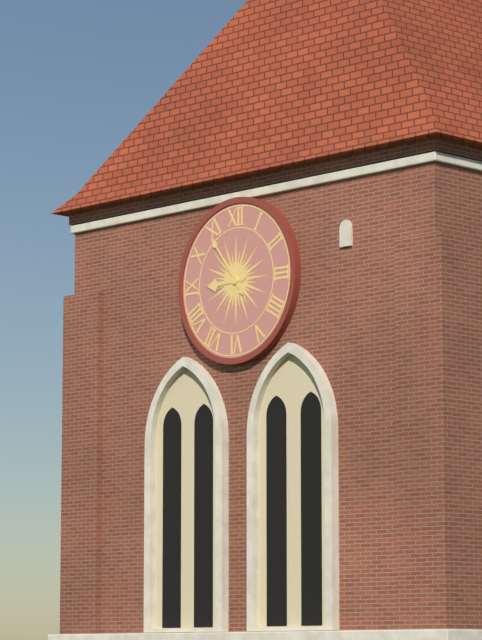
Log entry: {"hour": 8, "minute": 54}
